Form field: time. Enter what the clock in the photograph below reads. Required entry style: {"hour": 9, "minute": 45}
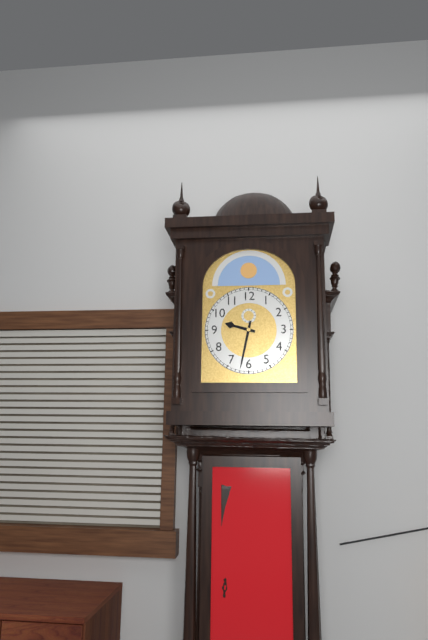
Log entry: {"hour": 9, "minute": 32}
